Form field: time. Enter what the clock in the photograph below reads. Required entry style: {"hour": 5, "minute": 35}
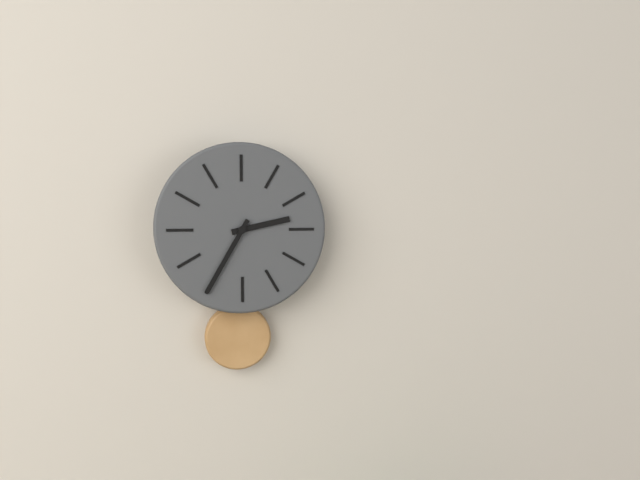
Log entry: {"hour": 2, "minute": 35}
